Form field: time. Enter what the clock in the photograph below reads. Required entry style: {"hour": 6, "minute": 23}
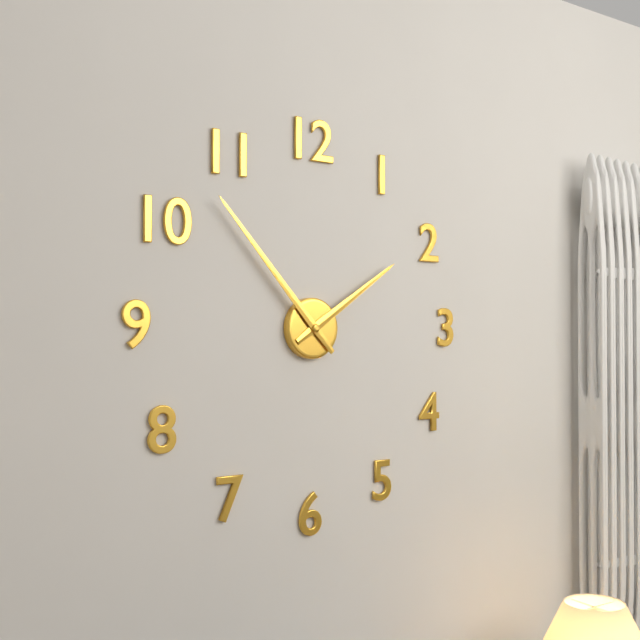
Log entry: {"hour": 1, "minute": 53}
